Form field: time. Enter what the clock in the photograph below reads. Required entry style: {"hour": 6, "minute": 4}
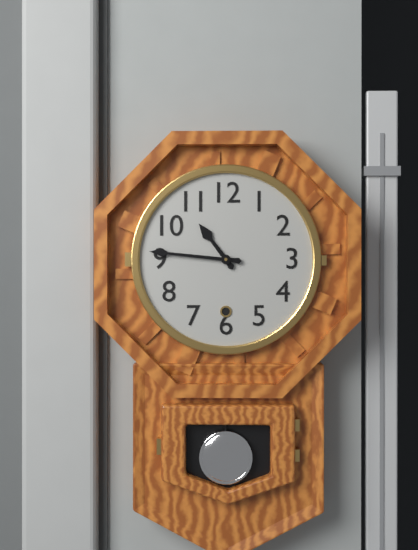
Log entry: {"hour": 10, "minute": 46}
